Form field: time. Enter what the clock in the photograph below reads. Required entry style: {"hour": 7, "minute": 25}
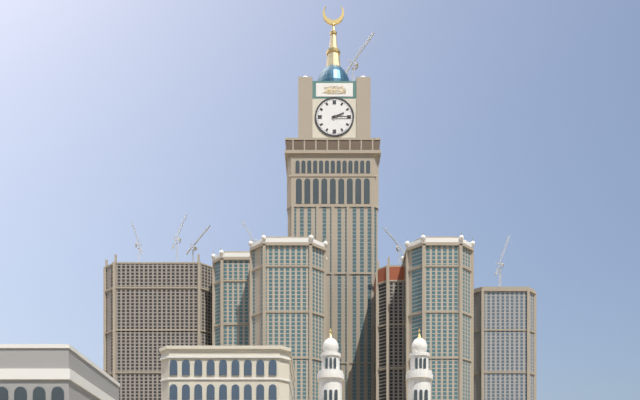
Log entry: {"hour": 2, "minute": 15}
